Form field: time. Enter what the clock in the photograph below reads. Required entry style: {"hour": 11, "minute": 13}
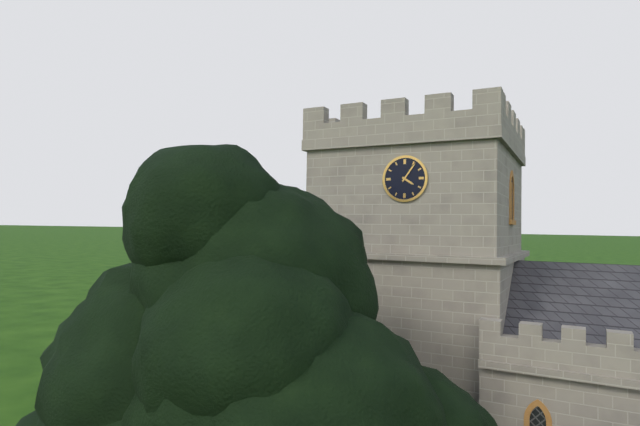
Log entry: {"hour": 4, "minute": 6}
